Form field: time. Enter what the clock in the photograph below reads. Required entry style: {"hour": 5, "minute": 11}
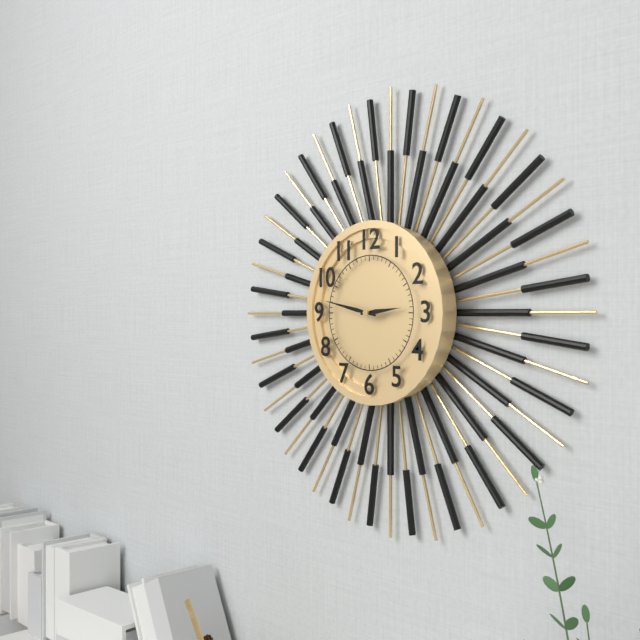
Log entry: {"hour": 2, "minute": 47}
